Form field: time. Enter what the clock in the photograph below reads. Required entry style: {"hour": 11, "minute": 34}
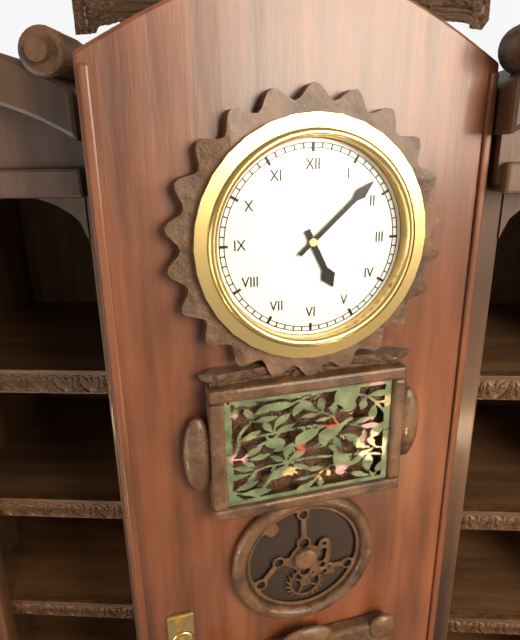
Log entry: {"hour": 5, "minute": 8}
